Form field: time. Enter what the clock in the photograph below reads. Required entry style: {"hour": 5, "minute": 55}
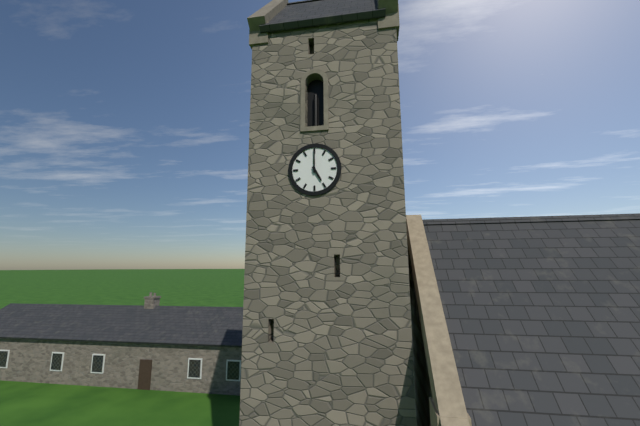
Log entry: {"hour": 5, "minute": 0}
